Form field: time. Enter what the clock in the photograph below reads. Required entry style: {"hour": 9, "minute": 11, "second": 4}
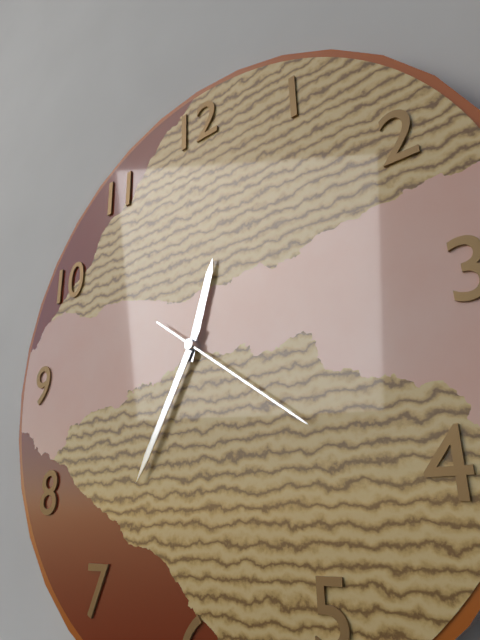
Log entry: {"hour": 12, "minute": 35, "second": 21}
